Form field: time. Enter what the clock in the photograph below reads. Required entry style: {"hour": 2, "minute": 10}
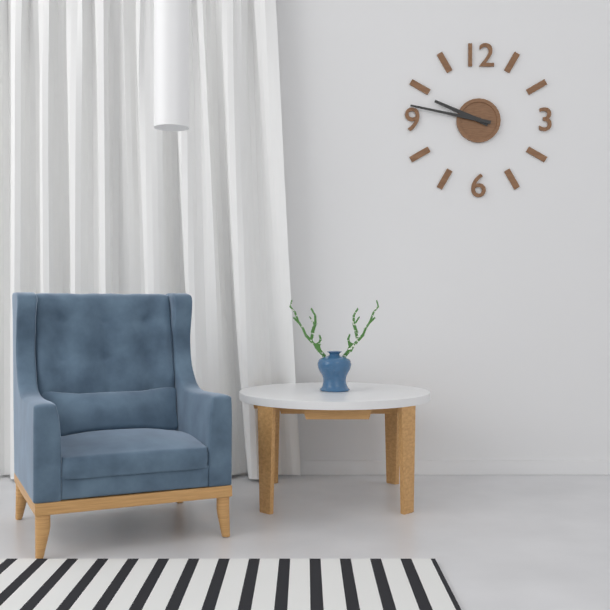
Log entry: {"hour": 9, "minute": 47}
